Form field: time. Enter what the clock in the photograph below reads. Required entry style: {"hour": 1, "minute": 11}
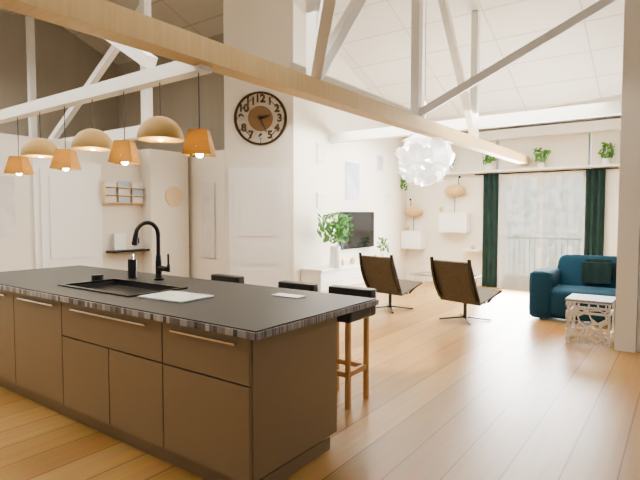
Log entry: {"hour": 2, "minute": 26}
